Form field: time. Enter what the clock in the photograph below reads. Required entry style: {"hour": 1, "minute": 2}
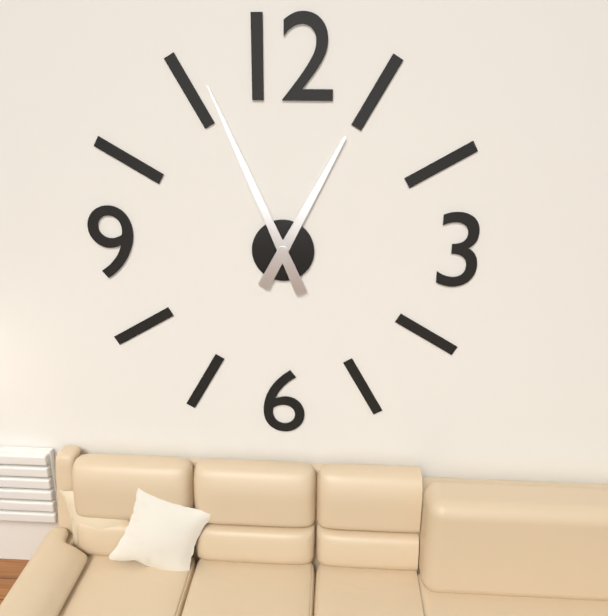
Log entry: {"hour": 12, "minute": 56}
